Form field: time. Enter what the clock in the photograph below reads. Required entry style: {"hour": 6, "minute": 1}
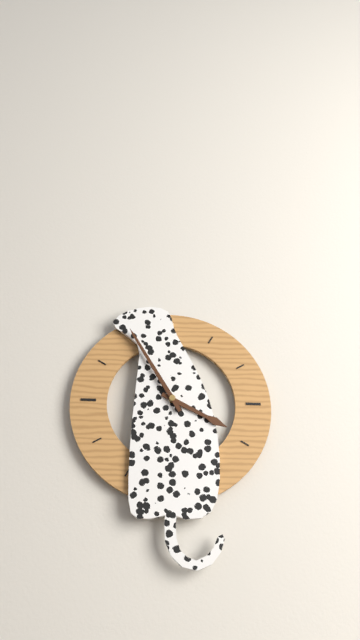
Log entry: {"hour": 3, "minute": 55}
